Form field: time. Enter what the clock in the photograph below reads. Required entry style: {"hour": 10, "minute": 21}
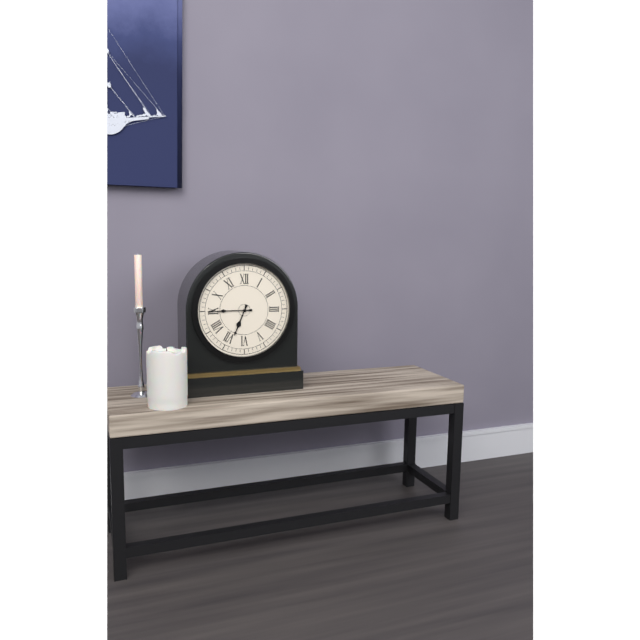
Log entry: {"hour": 6, "minute": 45}
